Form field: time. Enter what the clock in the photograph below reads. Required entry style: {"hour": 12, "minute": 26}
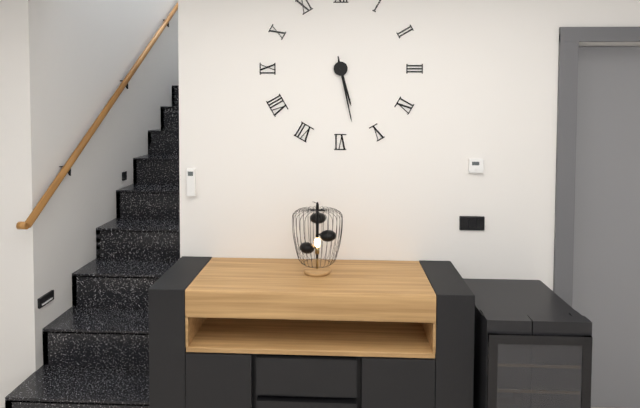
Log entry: {"hour": 5, "minute": 28}
